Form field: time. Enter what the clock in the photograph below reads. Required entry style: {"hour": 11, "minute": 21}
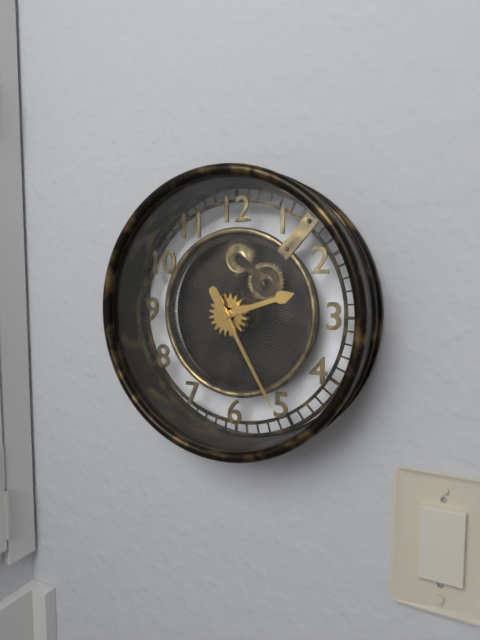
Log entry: {"hour": 2, "minute": 25}
